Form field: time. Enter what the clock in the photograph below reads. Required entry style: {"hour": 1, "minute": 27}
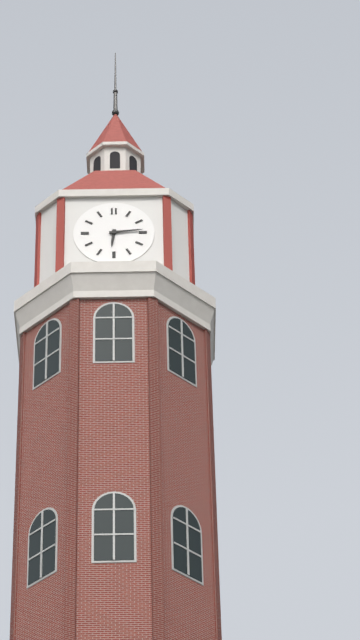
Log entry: {"hour": 6, "minute": 14}
